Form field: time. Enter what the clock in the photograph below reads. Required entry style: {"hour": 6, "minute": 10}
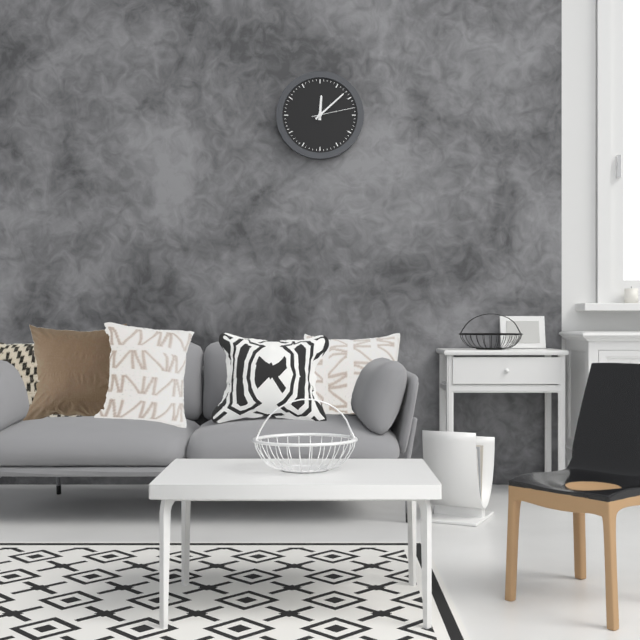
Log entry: {"hour": 12, "minute": 8}
